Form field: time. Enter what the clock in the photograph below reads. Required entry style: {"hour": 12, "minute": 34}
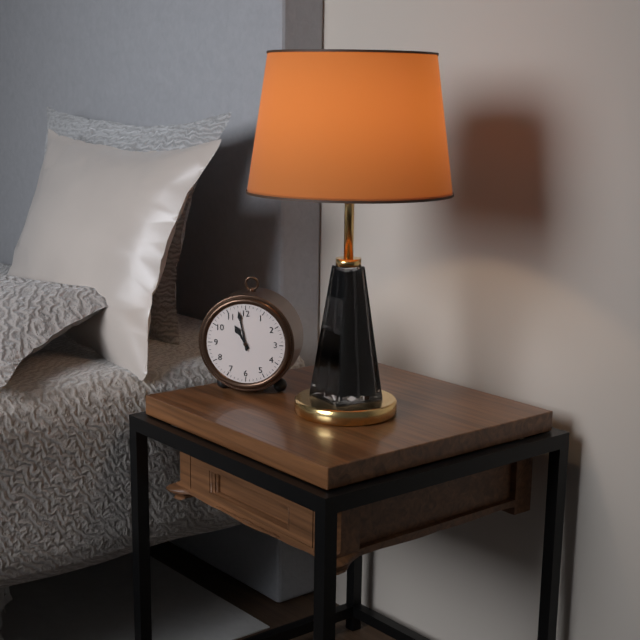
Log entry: {"hour": 10, "minute": 58}
